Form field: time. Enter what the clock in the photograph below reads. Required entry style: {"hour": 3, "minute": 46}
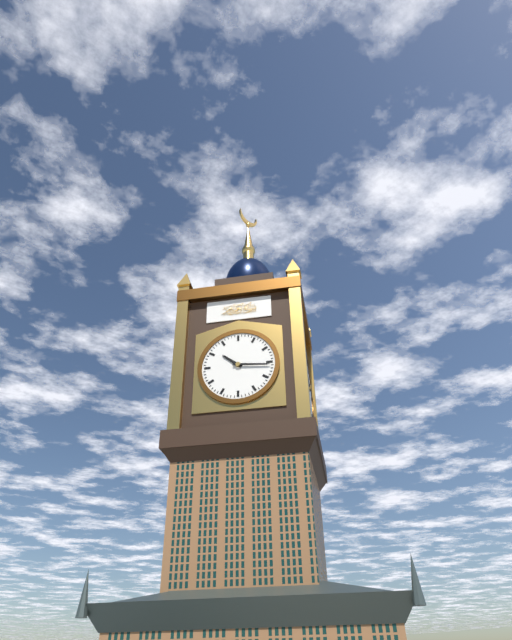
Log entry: {"hour": 10, "minute": 16}
